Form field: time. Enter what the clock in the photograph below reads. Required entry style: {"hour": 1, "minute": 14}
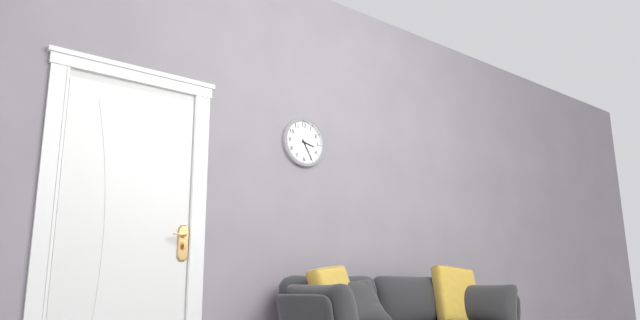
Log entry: {"hour": 3, "minute": 25}
